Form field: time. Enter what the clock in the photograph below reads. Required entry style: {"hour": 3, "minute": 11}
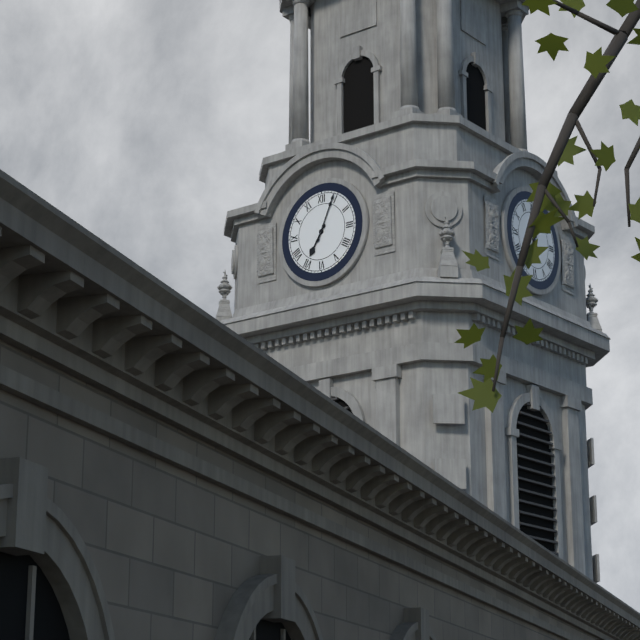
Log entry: {"hour": 7, "minute": 4}
